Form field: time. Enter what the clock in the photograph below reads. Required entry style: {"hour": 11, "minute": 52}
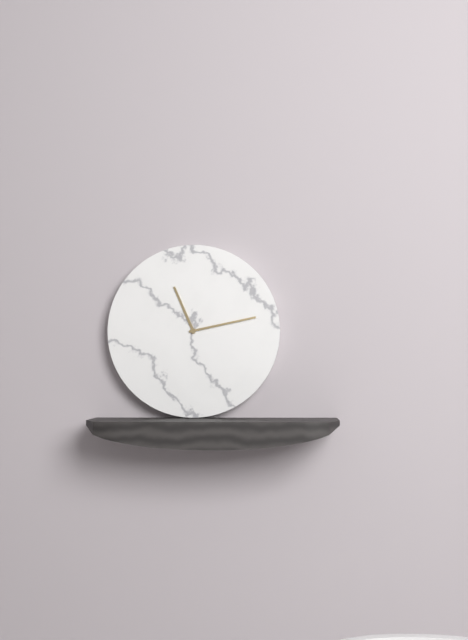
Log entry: {"hour": 11, "minute": 13}
